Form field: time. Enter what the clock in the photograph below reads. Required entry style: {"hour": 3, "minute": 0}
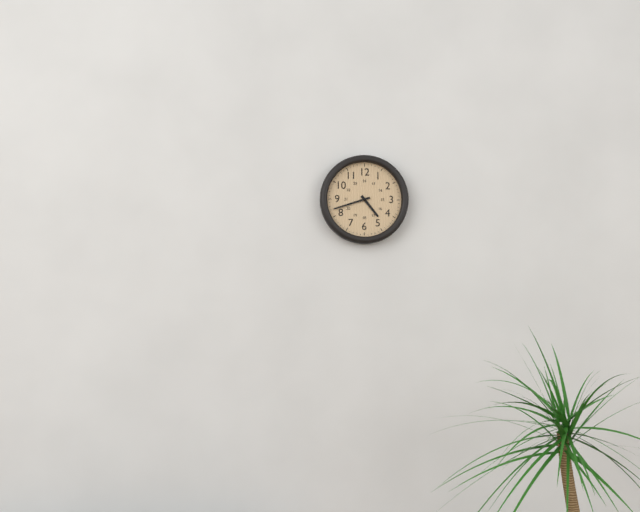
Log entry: {"hour": 4, "minute": 42}
